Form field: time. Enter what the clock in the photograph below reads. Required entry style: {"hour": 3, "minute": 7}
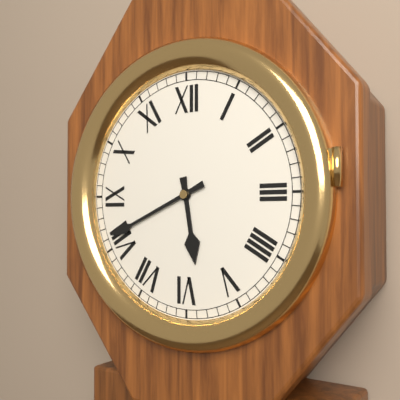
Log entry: {"hour": 5, "minute": 41}
